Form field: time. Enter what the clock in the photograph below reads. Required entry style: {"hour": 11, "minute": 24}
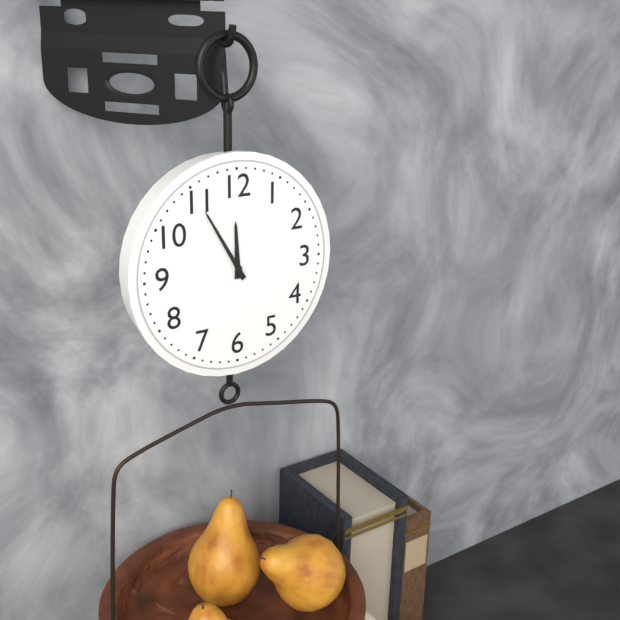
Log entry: {"hour": 11, "minute": 55}
